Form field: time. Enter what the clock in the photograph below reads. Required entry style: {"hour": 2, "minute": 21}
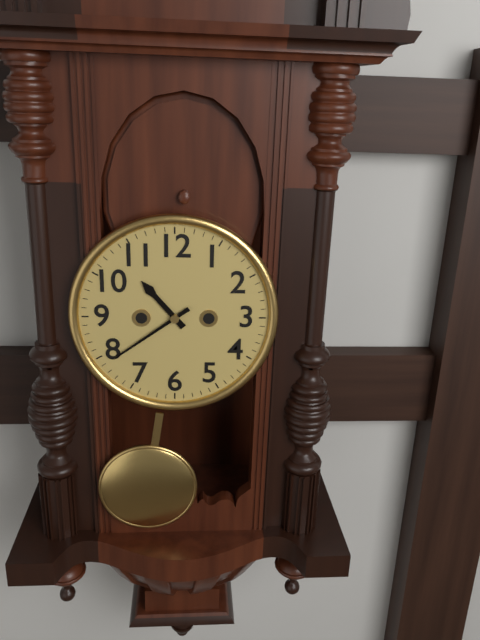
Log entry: {"hour": 10, "minute": 39}
